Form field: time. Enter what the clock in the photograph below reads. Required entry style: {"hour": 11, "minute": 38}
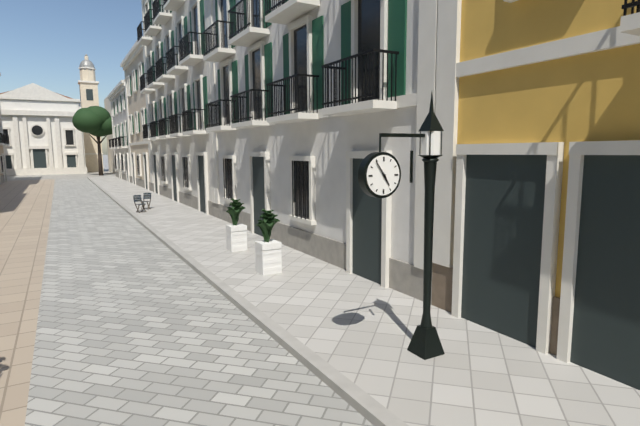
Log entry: {"hour": 4, "minute": 54}
